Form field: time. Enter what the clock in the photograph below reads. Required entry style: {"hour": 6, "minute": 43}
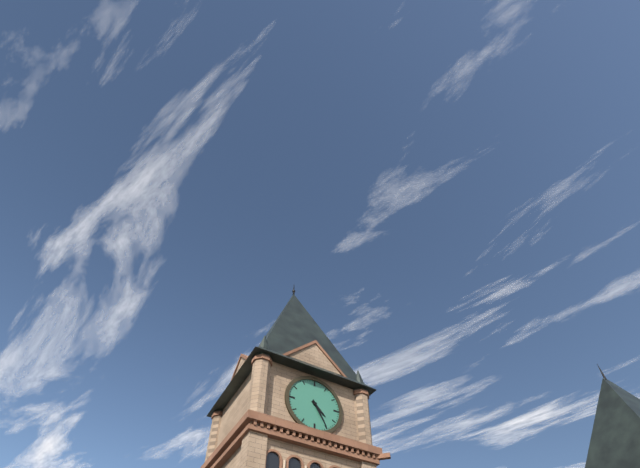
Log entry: {"hour": 4, "minute": 25}
